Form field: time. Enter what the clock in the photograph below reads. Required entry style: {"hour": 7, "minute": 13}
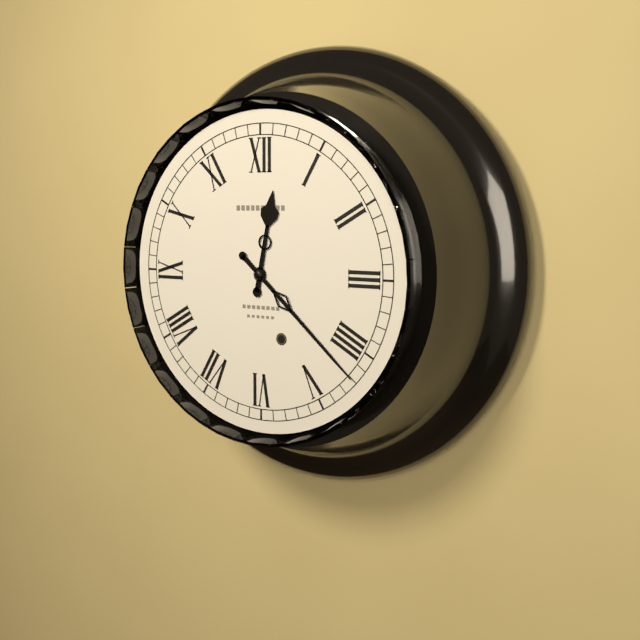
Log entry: {"hour": 12, "minute": 22}
